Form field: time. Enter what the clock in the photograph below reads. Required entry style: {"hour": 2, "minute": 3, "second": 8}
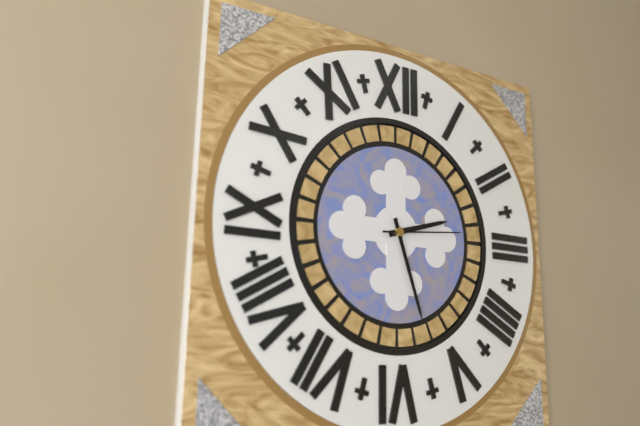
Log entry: {"hour": 2, "minute": 27, "second": 14}
